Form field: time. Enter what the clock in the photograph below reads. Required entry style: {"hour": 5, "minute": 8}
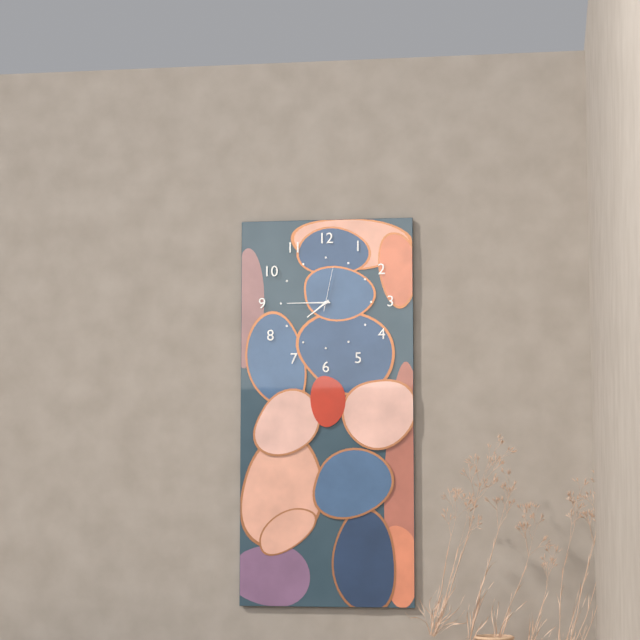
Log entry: {"hour": 7, "minute": 45}
